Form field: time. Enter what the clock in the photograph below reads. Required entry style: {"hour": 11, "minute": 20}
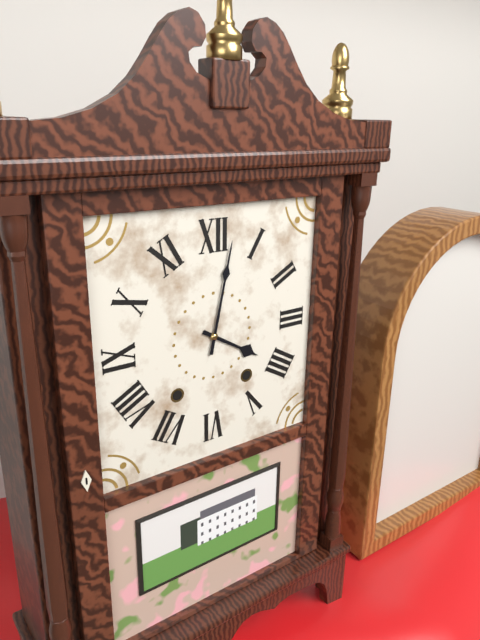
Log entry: {"hour": 4, "minute": 2}
